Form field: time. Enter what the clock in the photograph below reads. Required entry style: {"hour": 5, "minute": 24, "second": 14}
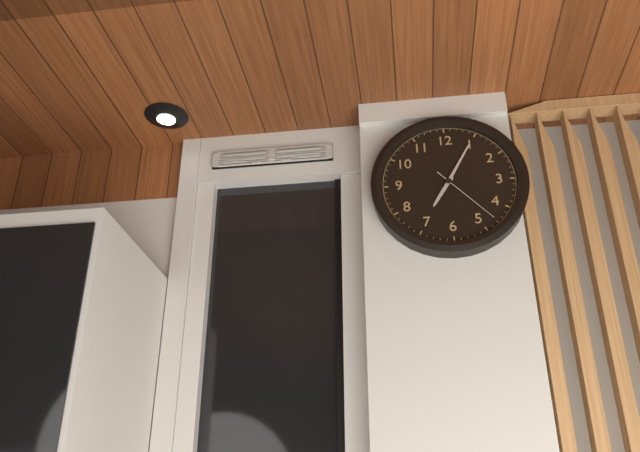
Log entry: {"hour": 7, "minute": 5, "second": 23}
